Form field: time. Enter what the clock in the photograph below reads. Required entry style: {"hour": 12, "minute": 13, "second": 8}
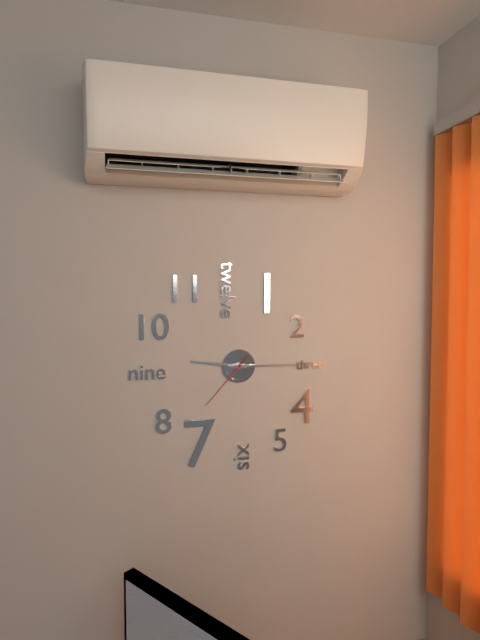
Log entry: {"hour": 9, "minute": 15, "second": 37}
